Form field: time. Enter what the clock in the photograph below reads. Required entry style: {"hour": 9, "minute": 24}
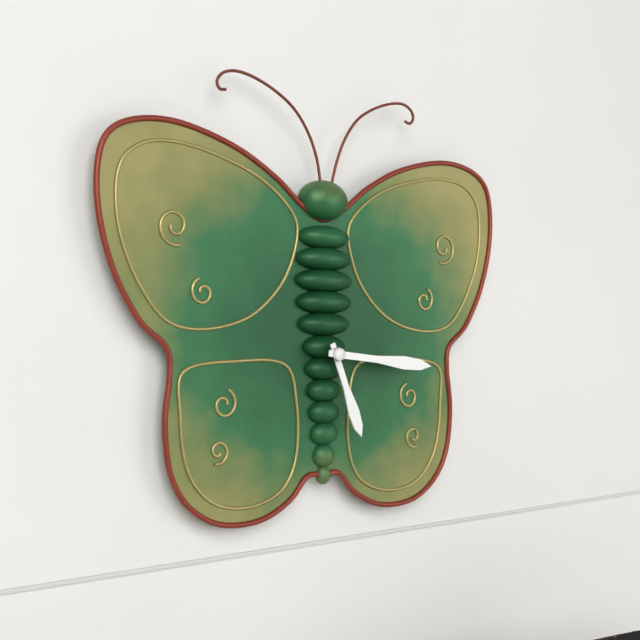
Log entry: {"hour": 5, "minute": 16}
